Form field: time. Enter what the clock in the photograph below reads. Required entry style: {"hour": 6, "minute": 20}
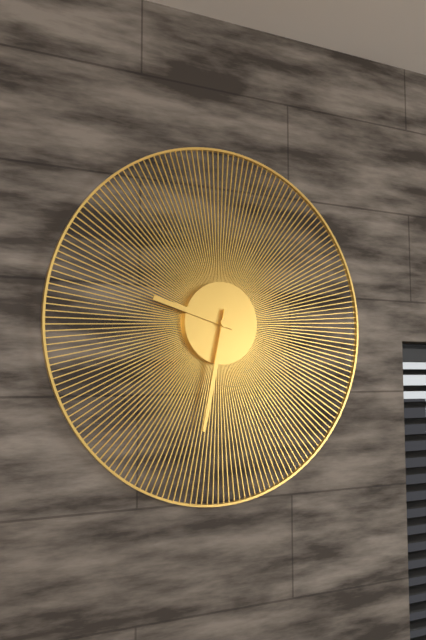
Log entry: {"hour": 9, "minute": 32}
